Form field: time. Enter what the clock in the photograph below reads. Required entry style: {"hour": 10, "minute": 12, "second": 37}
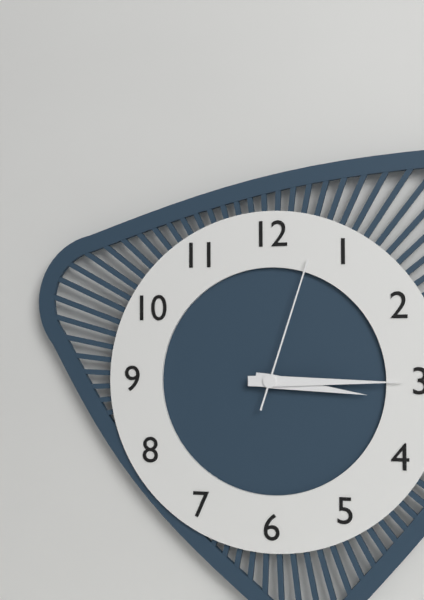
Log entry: {"hour": 3, "minute": 15, "second": 3}
